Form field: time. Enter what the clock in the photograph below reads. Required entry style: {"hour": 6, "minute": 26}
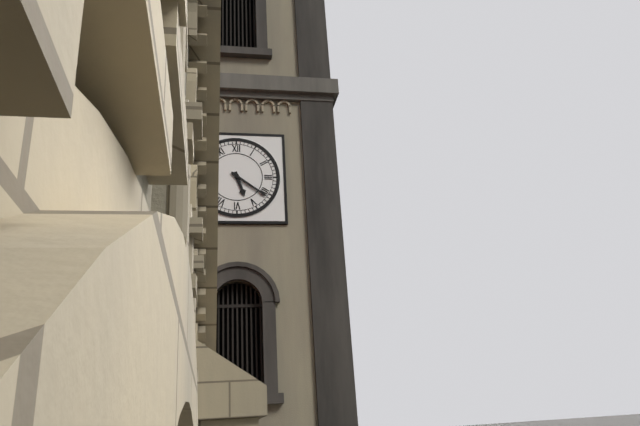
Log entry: {"hour": 5, "minute": 21}
